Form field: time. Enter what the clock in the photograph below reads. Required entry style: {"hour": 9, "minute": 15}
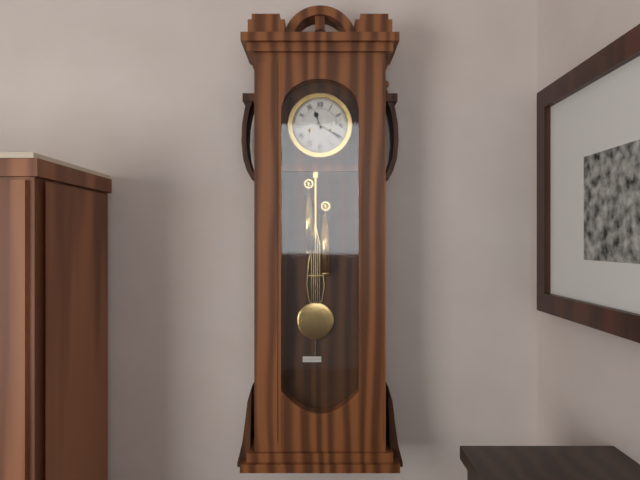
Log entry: {"hour": 11, "minute": 20}
